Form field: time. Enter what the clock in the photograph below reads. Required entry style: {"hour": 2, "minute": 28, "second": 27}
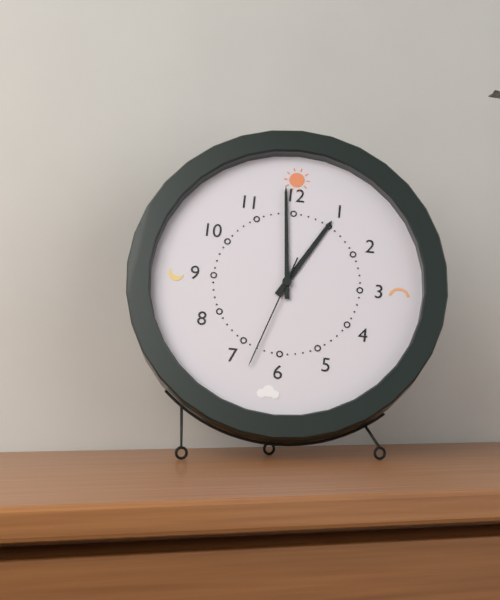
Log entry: {"hour": 12, "minute": 59, "second": 33}
